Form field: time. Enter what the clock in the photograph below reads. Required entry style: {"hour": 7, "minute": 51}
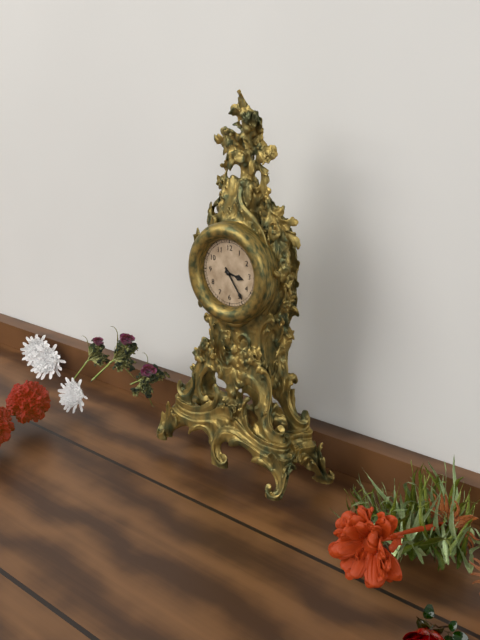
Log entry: {"hour": 3, "minute": 24}
